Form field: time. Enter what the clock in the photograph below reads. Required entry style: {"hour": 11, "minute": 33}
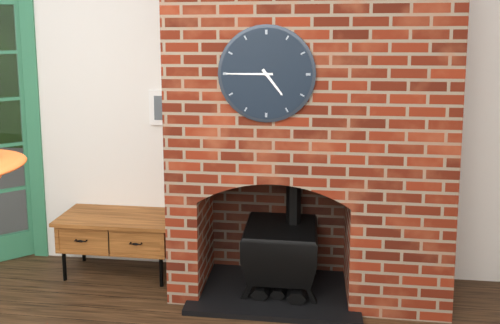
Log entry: {"hour": 4, "minute": 45}
